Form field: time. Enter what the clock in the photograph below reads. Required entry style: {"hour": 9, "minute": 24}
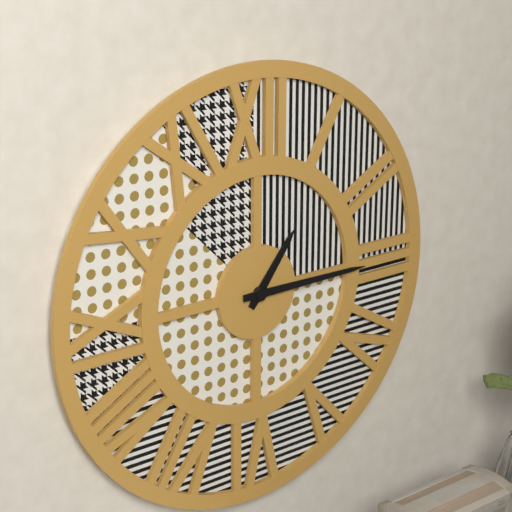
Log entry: {"hour": 1, "minute": 15}
